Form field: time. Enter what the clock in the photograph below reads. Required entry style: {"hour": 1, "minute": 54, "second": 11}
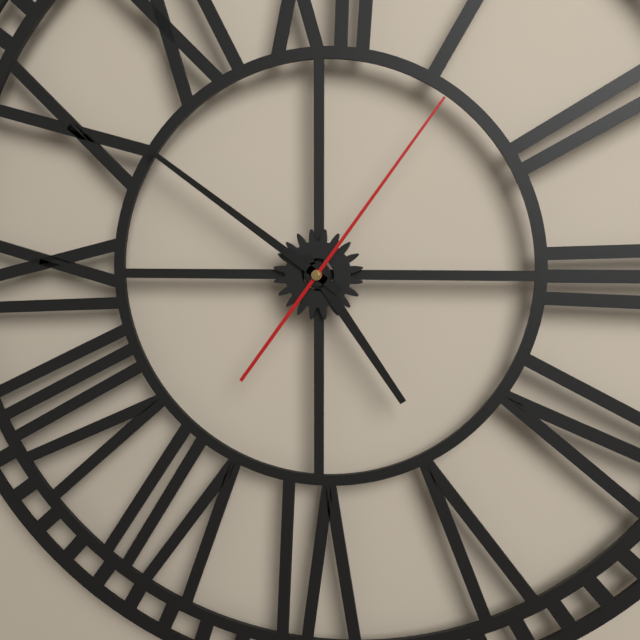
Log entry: {"hour": 4, "minute": 51, "second": 6}
